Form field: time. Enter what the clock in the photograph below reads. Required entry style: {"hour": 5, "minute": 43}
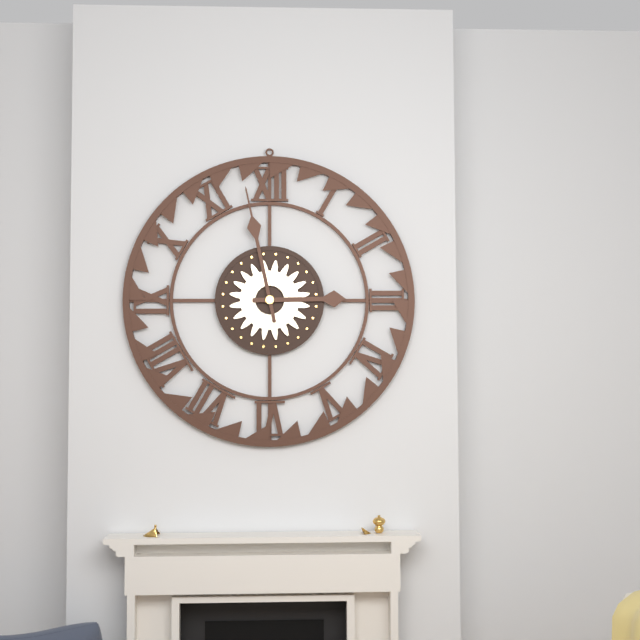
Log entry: {"hour": 2, "minute": 58}
